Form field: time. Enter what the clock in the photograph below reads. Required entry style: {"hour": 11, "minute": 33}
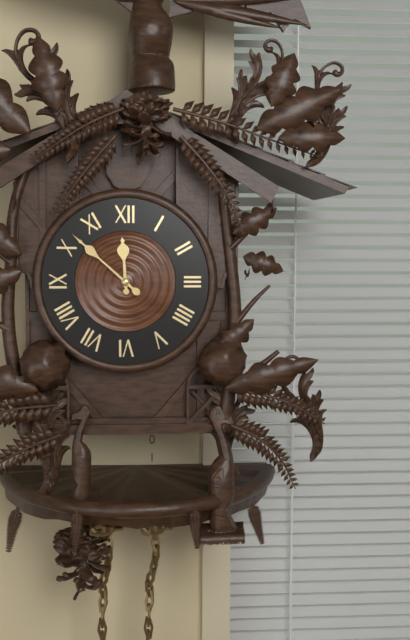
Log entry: {"hour": 11, "minute": 52}
